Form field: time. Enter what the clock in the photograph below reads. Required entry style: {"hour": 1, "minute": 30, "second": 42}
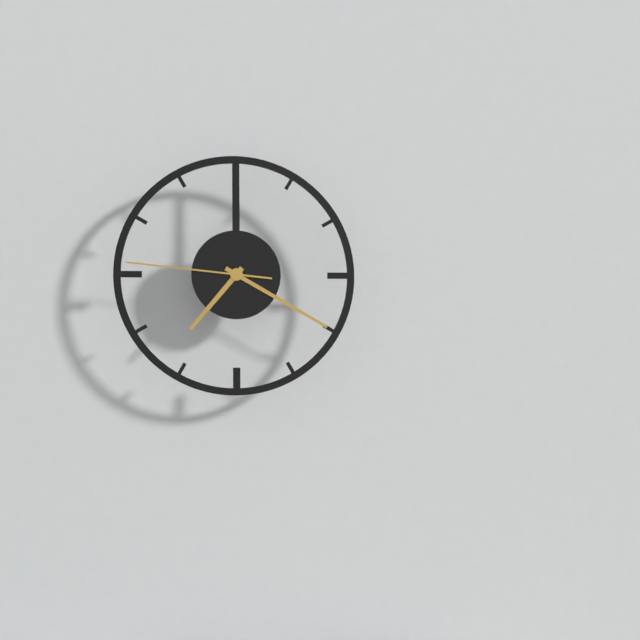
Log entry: {"hour": 7, "minute": 20, "second": 46}
